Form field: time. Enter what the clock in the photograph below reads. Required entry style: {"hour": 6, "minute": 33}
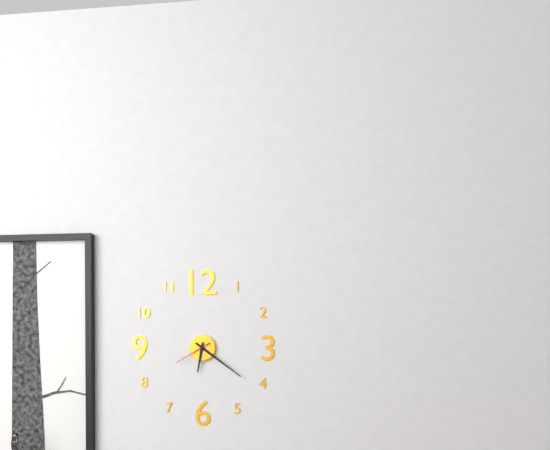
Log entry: {"hour": 6, "minute": 21}
